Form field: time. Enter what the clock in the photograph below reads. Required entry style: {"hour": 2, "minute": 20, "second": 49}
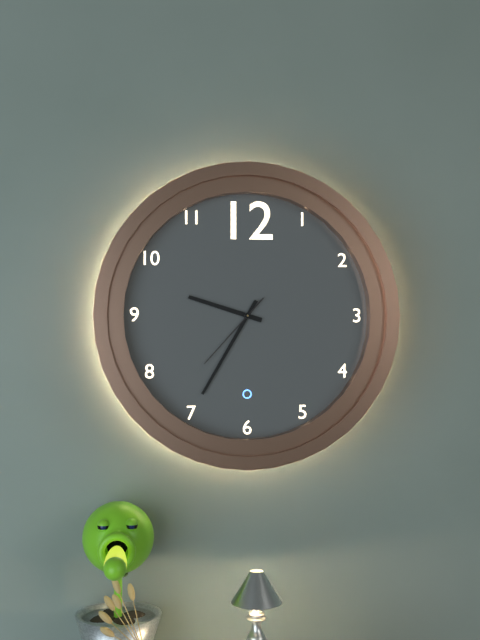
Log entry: {"hour": 9, "minute": 35, "second": 37}
